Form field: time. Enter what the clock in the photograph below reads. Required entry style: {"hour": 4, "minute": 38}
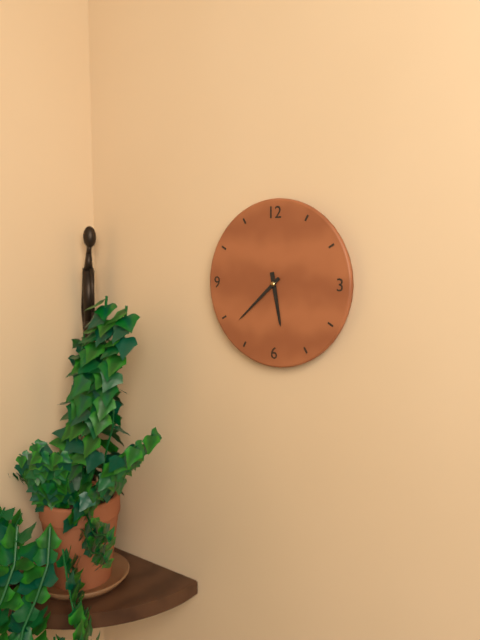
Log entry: {"hour": 5, "minute": 38}
